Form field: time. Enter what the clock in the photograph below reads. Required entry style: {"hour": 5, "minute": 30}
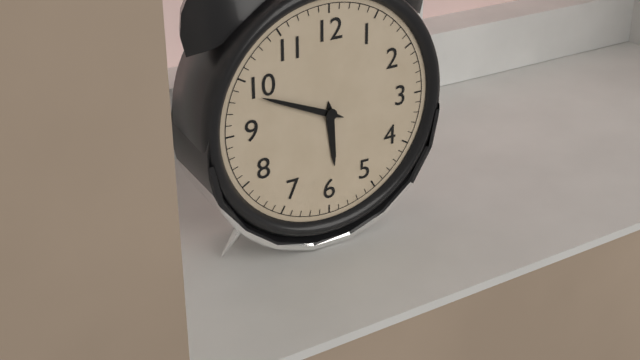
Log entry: {"hour": 5, "minute": 49}
